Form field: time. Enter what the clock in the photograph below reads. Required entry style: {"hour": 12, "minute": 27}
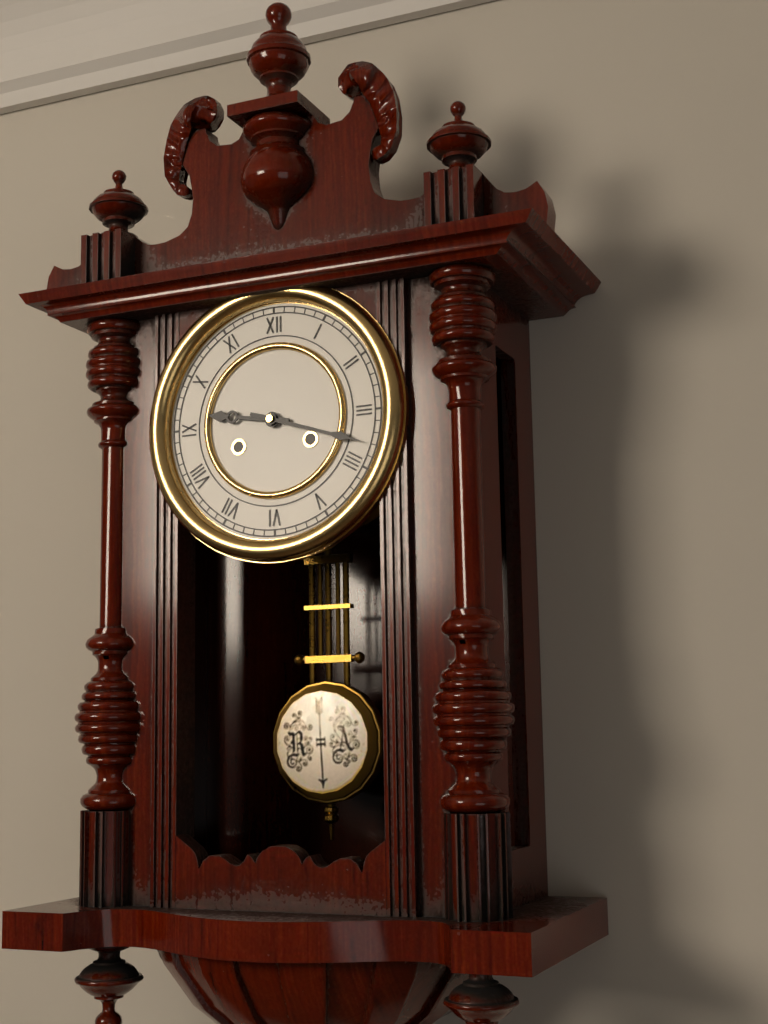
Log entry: {"hour": 9, "minute": 18}
